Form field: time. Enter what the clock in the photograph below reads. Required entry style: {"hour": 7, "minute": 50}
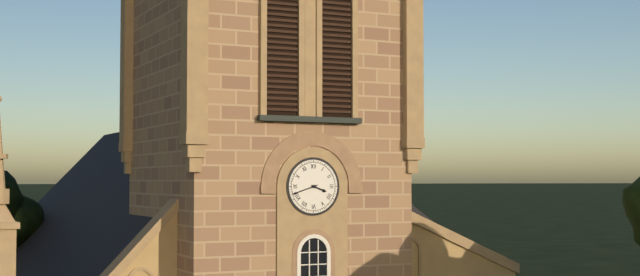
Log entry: {"hour": 3, "minute": 42}
